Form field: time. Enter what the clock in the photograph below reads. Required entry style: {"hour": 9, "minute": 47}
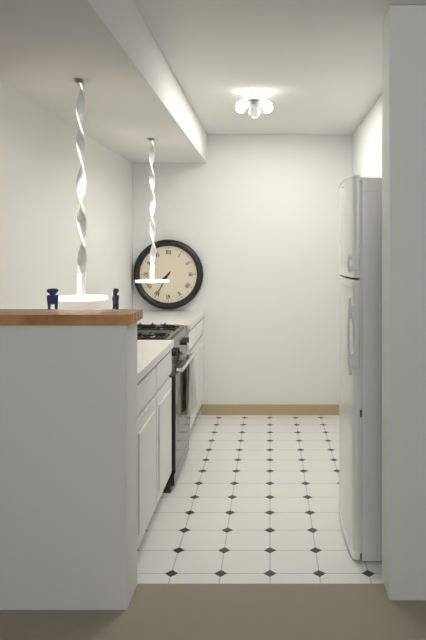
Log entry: {"hour": 7, "minute": 35}
